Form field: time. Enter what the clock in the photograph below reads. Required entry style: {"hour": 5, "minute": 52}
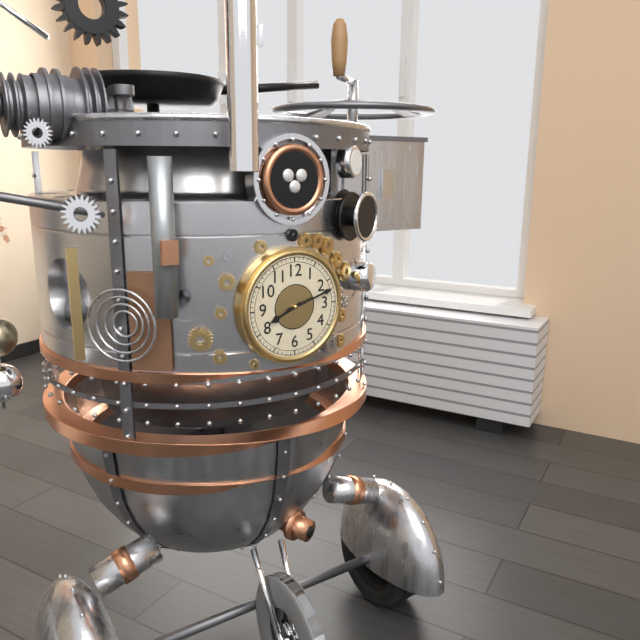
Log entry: {"hour": 8, "minute": 12}
